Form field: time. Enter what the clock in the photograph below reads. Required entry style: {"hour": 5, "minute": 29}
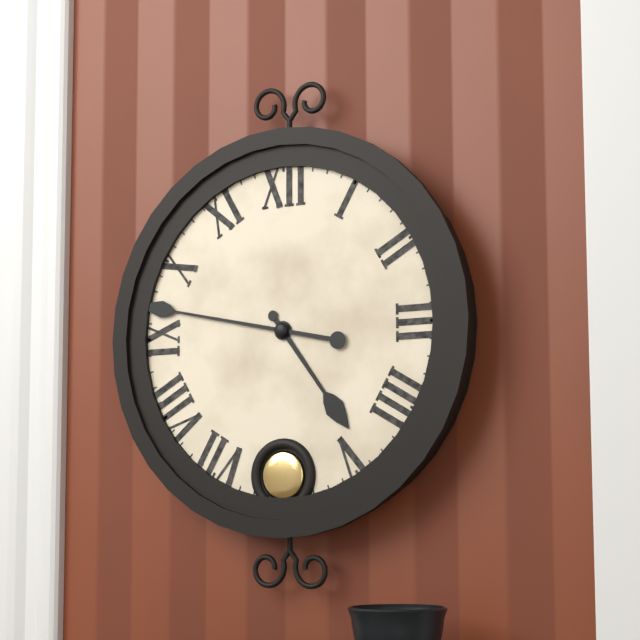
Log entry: {"hour": 4, "minute": 47}
